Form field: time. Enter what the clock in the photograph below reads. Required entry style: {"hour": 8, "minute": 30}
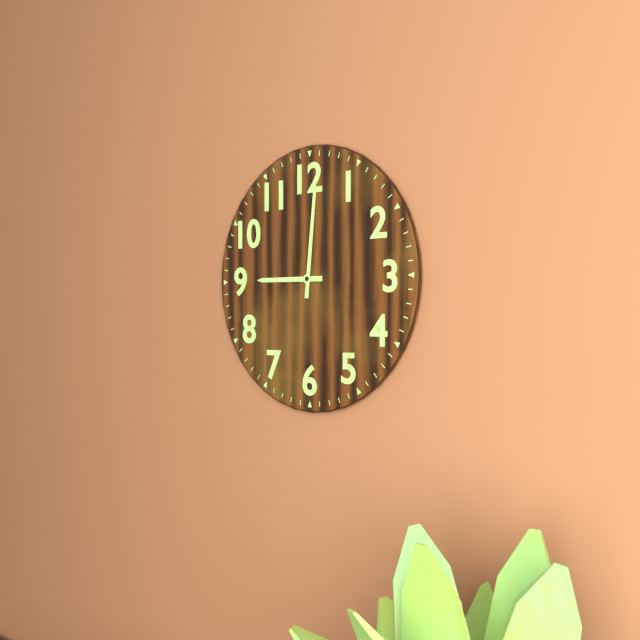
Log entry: {"hour": 9, "minute": 1}
